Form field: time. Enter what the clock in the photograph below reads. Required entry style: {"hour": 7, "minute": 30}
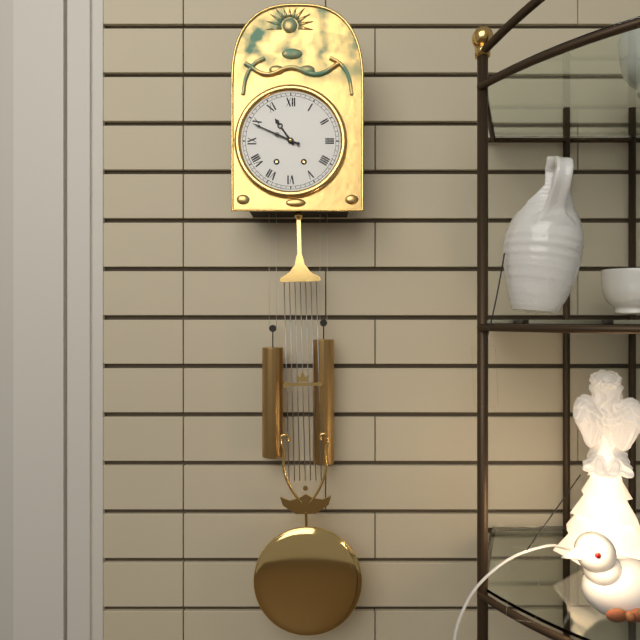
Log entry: {"hour": 10, "minute": 49}
